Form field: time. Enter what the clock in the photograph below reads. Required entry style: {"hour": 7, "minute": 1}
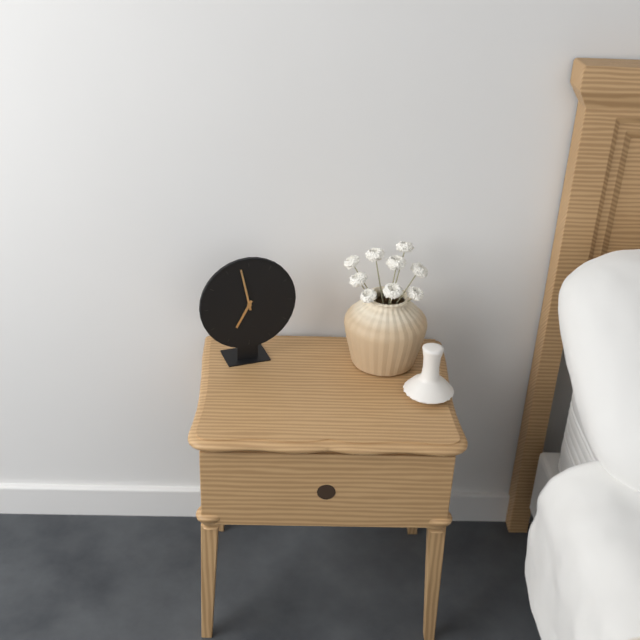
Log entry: {"hour": 6, "minute": 58}
